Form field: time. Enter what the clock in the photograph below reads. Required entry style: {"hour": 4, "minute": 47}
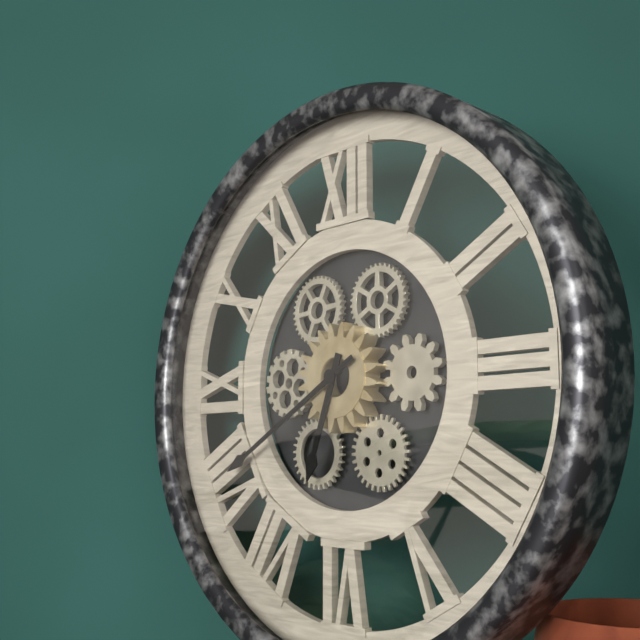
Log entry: {"hour": 6, "minute": 40}
